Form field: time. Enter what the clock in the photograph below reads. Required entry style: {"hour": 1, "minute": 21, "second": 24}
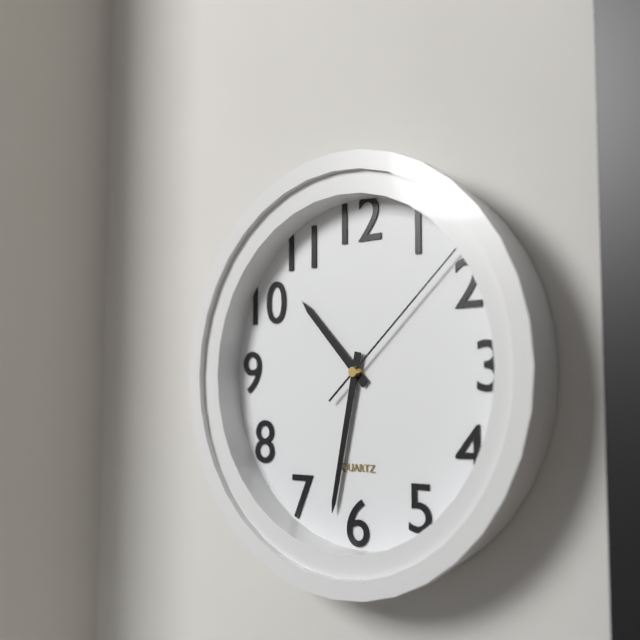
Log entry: {"hour": 10, "minute": 32, "second": 8}
